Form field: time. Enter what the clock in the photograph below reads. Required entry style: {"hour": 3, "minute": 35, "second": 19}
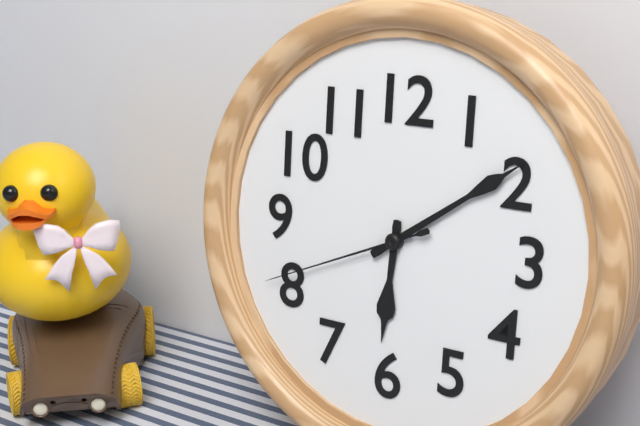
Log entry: {"hour": 6, "minute": 9, "second": 41}
